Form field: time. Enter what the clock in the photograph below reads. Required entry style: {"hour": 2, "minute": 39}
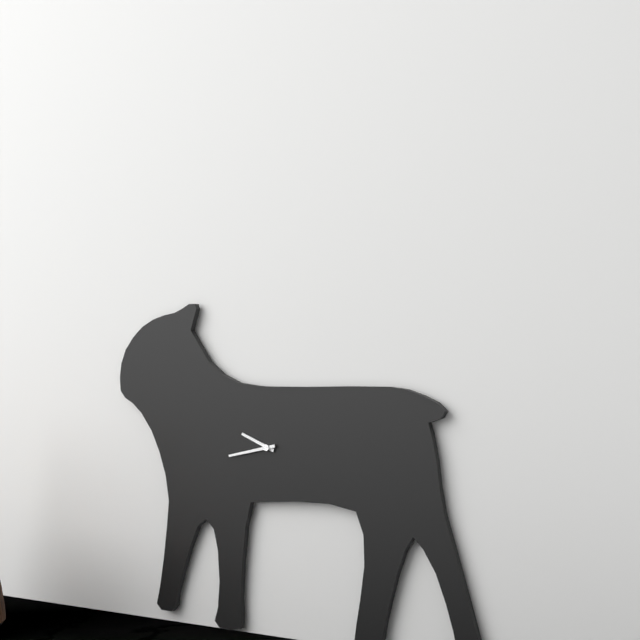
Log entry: {"hour": 9, "minute": 43}
